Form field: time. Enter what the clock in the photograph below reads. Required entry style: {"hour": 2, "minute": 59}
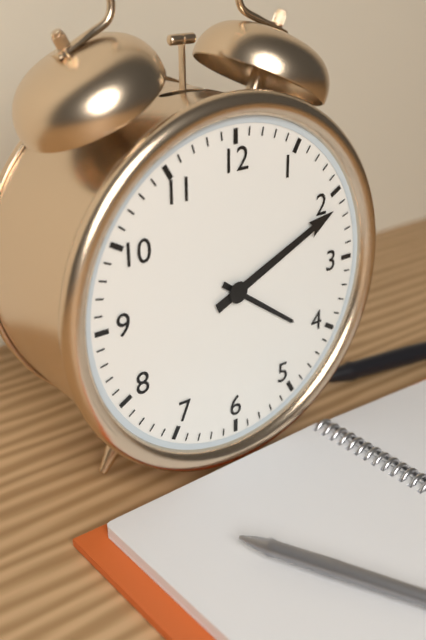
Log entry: {"hour": 4, "minute": 11}
